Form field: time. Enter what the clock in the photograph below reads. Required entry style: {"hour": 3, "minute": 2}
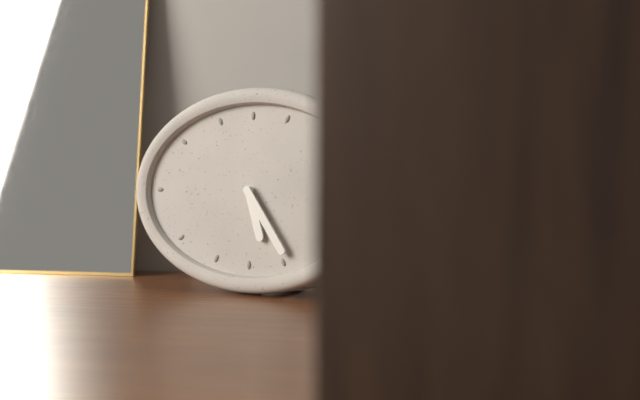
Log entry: {"hour": 5, "minute": 24}
